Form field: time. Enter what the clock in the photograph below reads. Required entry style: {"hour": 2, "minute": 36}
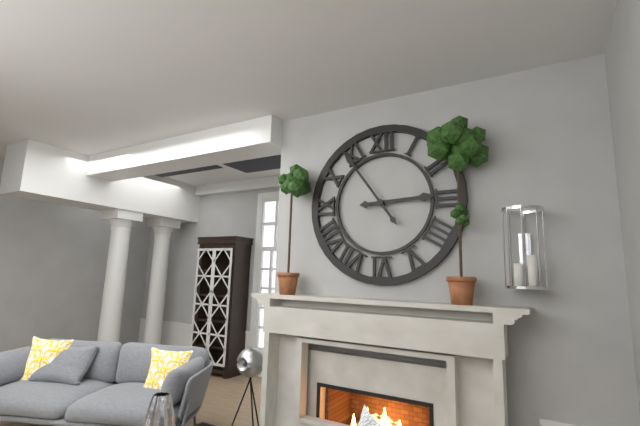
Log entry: {"hour": 2, "minute": 54}
